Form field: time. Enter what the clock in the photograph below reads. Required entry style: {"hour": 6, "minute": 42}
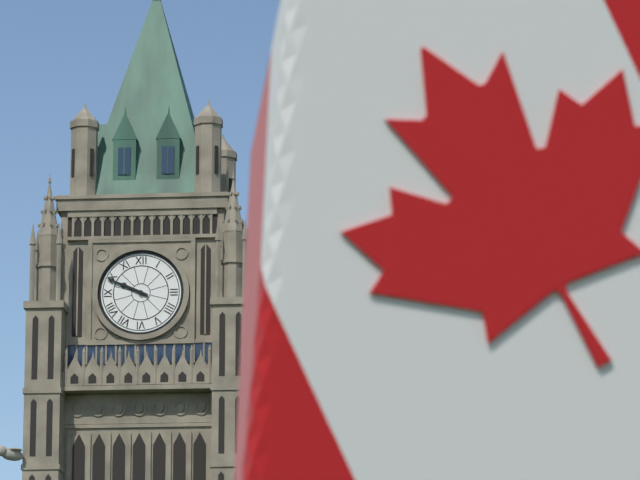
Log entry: {"hour": 9, "minute": 49}
